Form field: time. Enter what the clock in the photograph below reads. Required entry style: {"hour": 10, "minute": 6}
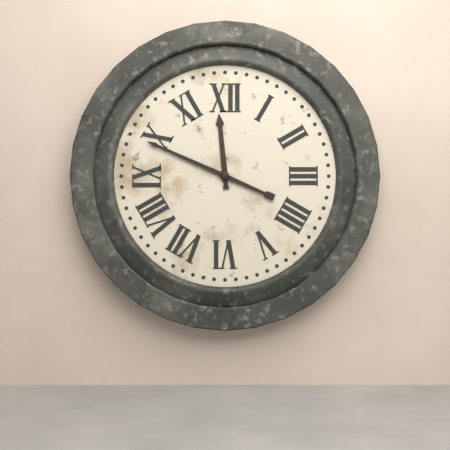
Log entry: {"hour": 11, "minute": 49}
